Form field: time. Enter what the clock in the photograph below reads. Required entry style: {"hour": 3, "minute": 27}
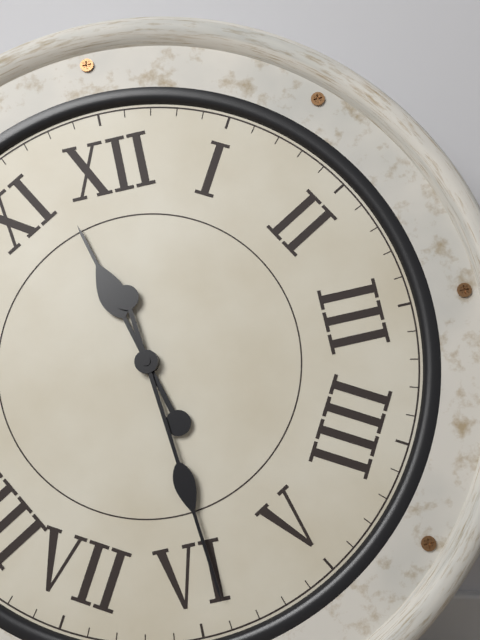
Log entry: {"hour": 11, "minute": 29}
